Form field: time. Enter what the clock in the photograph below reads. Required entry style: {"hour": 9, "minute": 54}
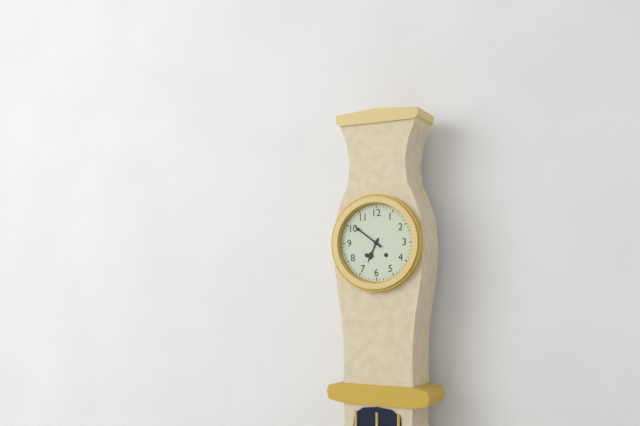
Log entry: {"hour": 6, "minute": 51}
